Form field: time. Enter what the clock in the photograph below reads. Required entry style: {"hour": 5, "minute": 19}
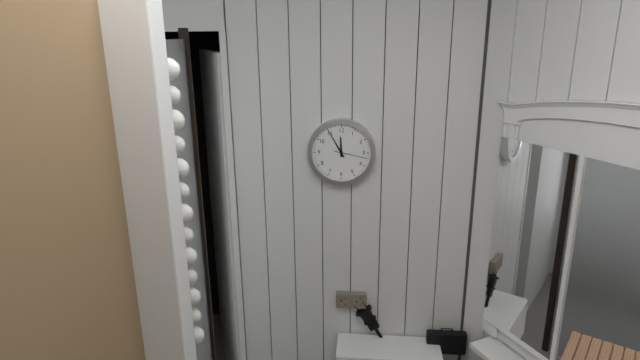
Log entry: {"hour": 11, "minute": 55}
